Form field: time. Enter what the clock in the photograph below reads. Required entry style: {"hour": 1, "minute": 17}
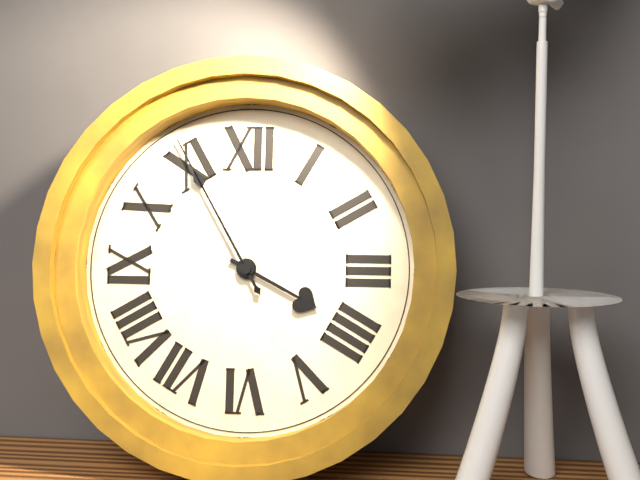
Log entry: {"hour": 3, "minute": 55}
